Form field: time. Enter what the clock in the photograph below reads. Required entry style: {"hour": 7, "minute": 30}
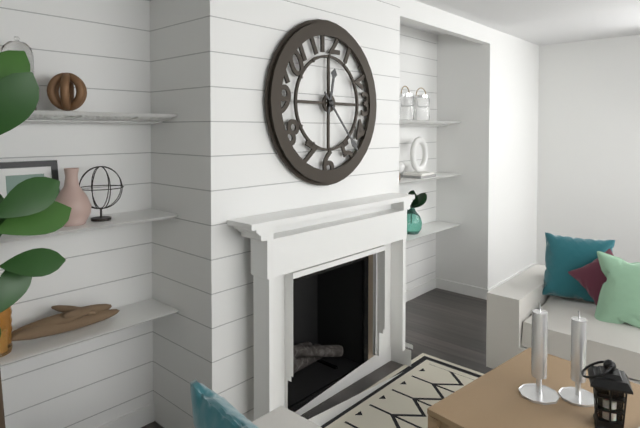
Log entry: {"hour": 12, "minute": 23}
